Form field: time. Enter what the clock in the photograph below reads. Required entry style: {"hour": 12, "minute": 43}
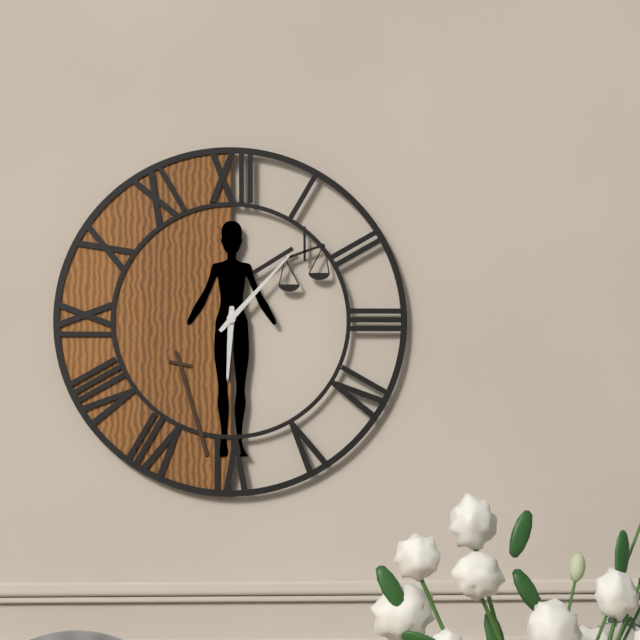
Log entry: {"hour": 6, "minute": 7}
